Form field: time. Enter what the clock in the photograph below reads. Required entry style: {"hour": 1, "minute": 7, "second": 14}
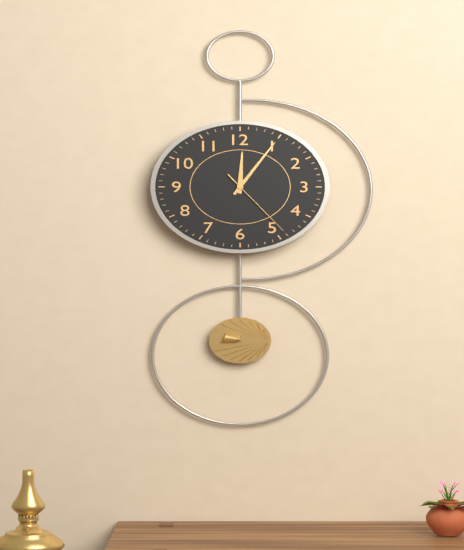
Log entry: {"hour": 12, "minute": 5, "second": 24}
